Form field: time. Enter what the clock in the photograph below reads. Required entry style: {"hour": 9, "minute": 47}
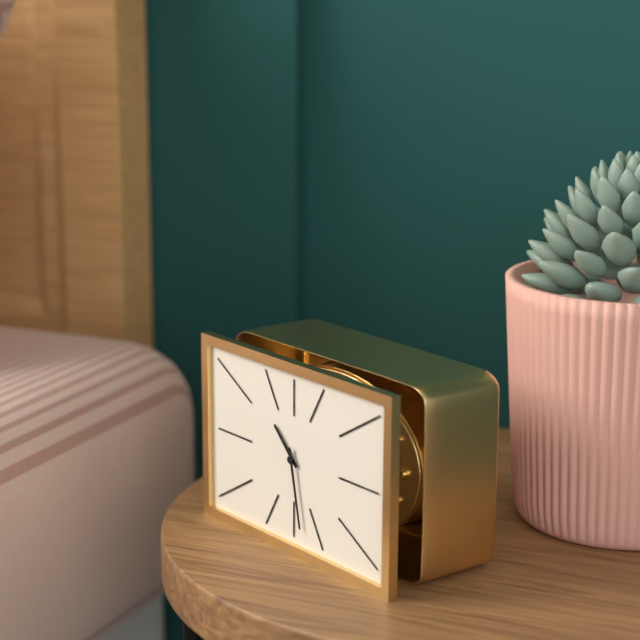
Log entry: {"hour": 10, "minute": 28}
